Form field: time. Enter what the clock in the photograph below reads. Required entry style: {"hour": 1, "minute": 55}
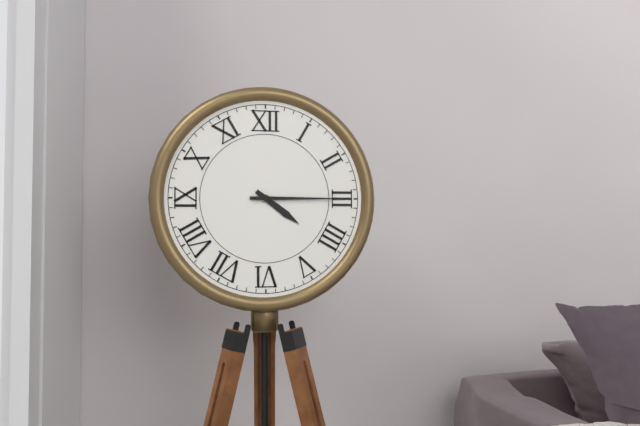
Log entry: {"hour": 4, "minute": 15}
